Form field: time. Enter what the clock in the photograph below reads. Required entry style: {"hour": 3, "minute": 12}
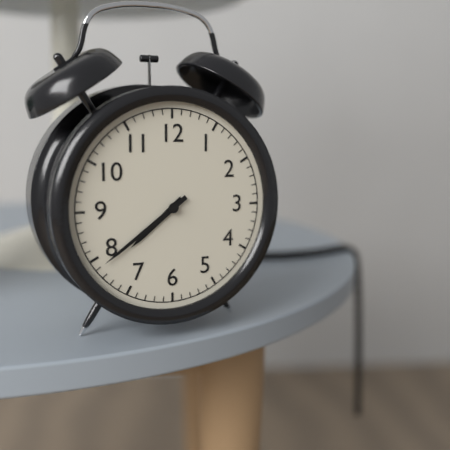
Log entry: {"hour": 7, "minute": 39}
